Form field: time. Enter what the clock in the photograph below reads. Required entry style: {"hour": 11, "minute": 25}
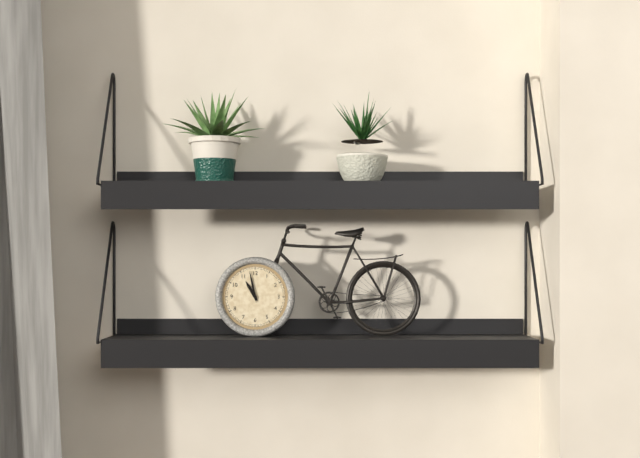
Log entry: {"hour": 10, "minute": 58}
